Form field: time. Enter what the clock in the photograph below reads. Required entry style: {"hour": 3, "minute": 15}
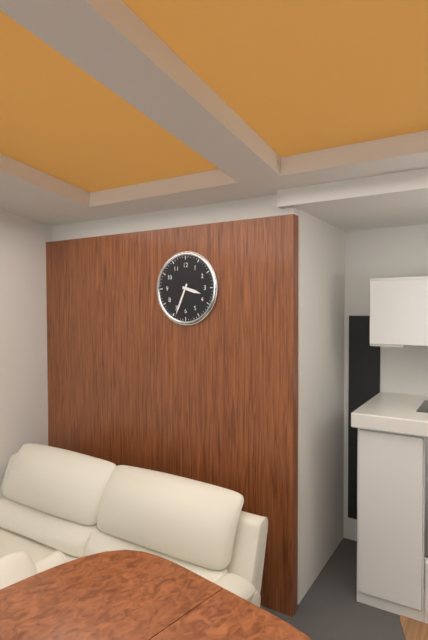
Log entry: {"hour": 3, "minute": 34}
